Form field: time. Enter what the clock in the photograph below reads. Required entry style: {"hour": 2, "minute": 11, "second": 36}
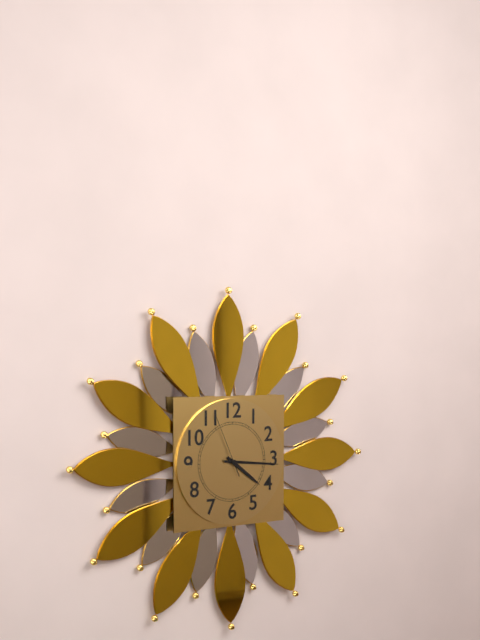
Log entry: {"hour": 4, "minute": 16, "second": 56}
